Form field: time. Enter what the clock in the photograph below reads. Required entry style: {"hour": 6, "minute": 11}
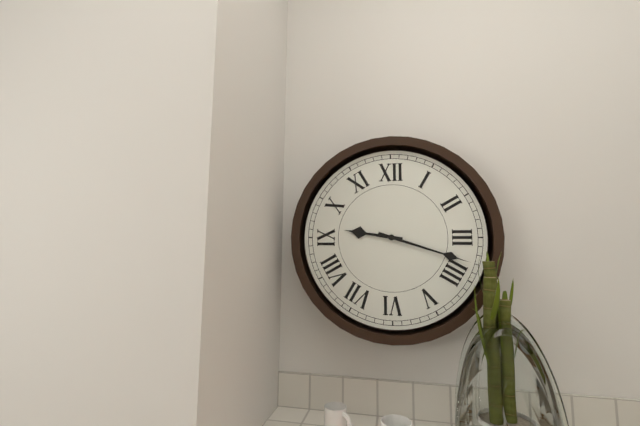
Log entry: {"hour": 9, "minute": 18}
